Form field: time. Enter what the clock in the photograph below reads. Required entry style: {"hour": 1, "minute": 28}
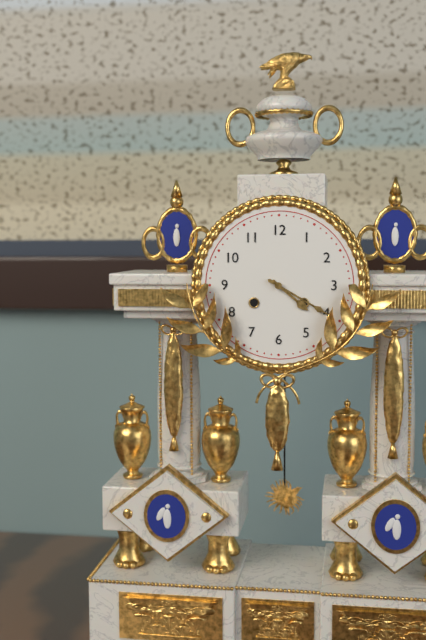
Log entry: {"hour": 4, "minute": 20}
